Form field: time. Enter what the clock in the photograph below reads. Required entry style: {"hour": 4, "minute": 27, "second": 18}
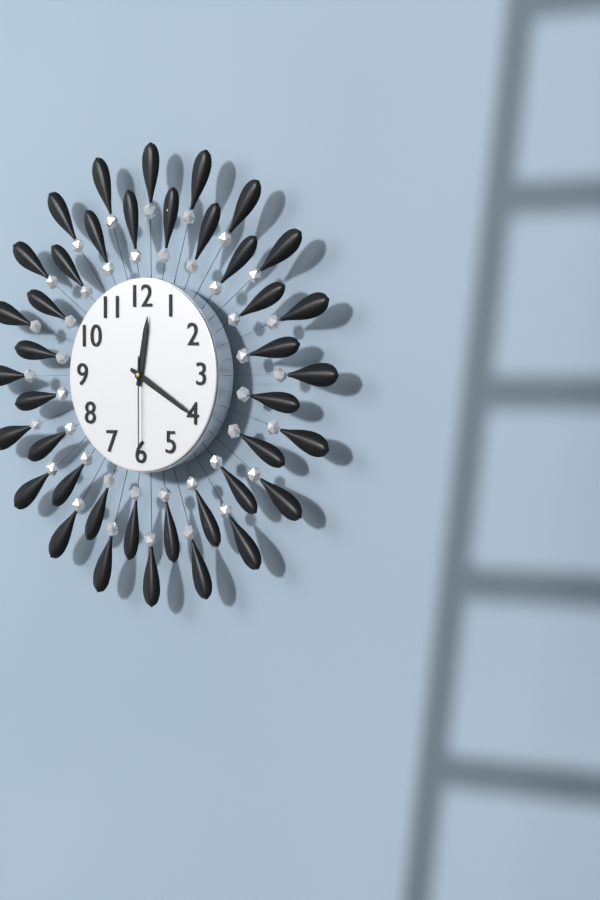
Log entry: {"hour": 12, "minute": 20, "second": 30}
